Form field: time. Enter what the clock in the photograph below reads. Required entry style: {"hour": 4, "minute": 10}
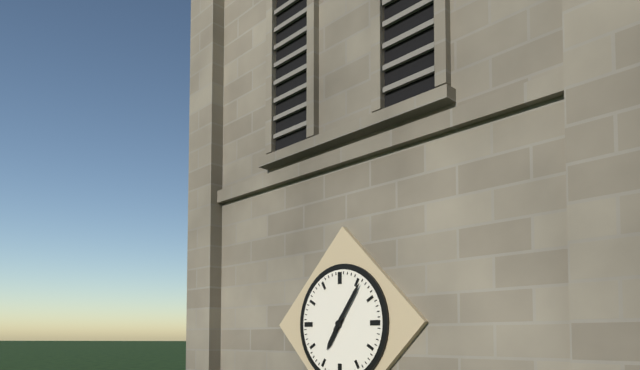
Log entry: {"hour": 7, "minute": 6}
